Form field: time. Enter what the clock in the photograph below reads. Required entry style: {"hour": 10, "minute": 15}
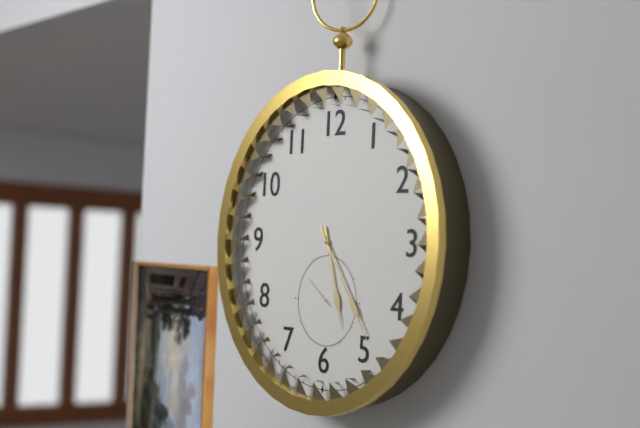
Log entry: {"hour": 5, "minute": 24}
